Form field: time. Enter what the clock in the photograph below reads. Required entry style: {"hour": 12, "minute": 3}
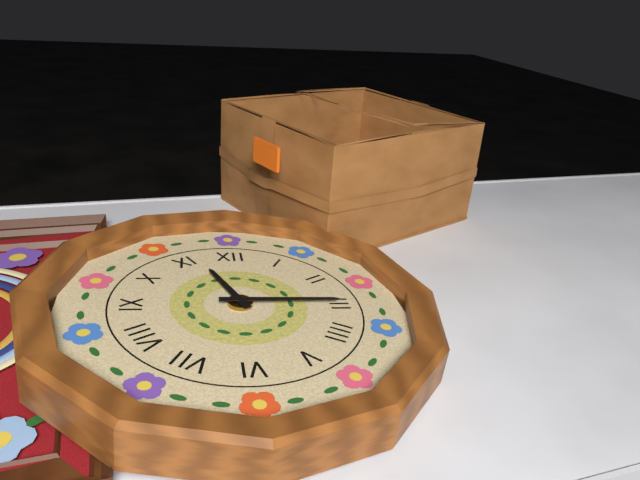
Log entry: {"hour": 11, "minute": 15}
